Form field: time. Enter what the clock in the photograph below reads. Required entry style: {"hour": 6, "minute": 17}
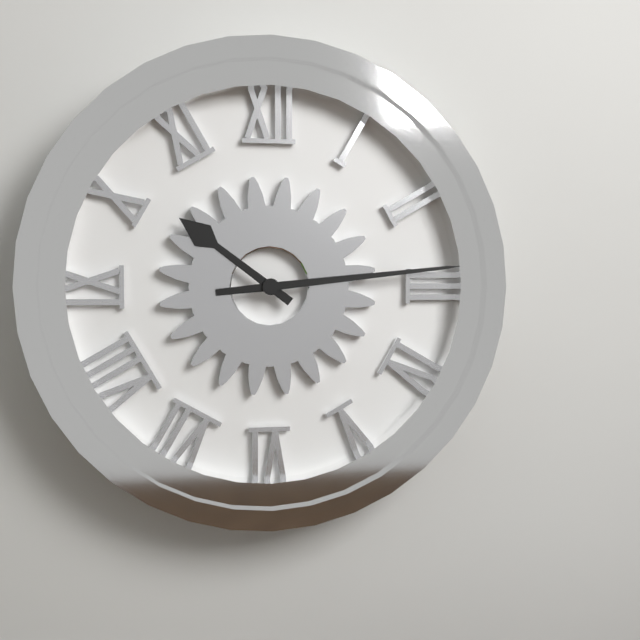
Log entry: {"hour": 10, "minute": 14}
